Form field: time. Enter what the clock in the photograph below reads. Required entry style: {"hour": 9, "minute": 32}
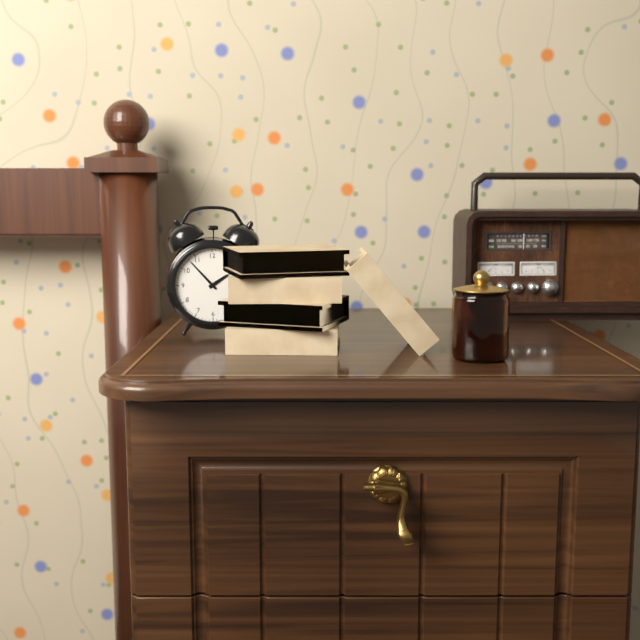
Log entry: {"hour": 1, "minute": 53}
